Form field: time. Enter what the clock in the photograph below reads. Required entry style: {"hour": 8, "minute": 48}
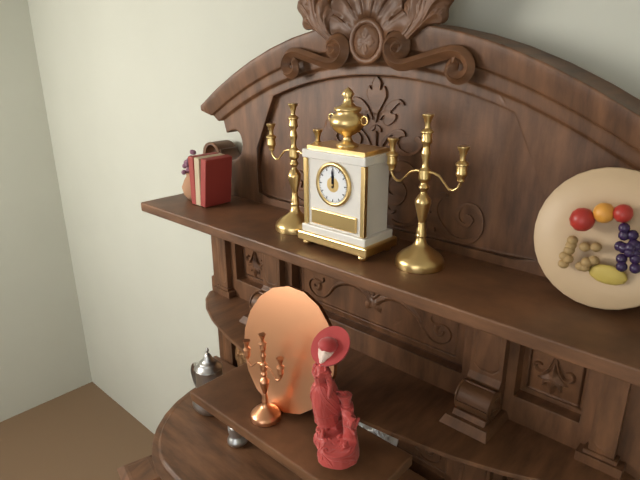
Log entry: {"hour": 12, "minute": 0}
